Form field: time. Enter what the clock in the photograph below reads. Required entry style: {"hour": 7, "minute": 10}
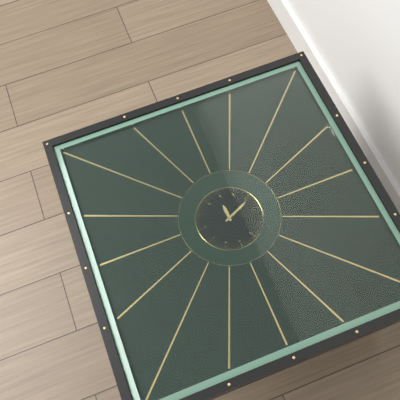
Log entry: {"hour": 8, "minute": 56}
